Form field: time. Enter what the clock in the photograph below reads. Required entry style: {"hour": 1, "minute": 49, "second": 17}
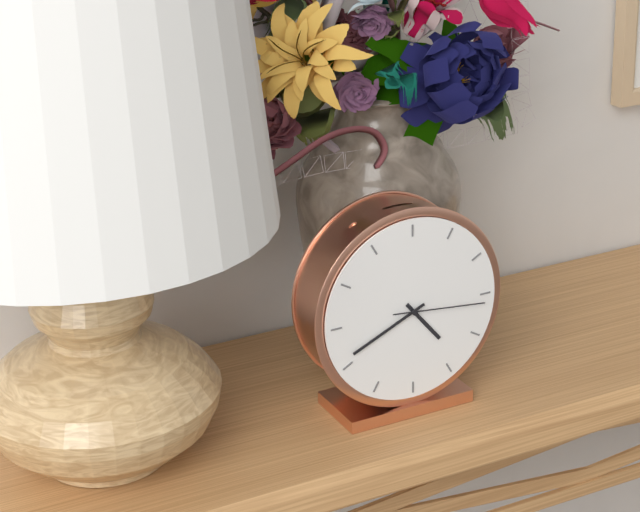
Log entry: {"hour": 4, "minute": 41, "second": 16}
